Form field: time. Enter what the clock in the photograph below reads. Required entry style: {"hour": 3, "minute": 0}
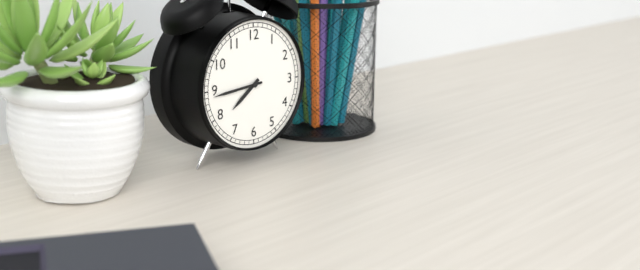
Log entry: {"hour": 7, "minute": 44}
